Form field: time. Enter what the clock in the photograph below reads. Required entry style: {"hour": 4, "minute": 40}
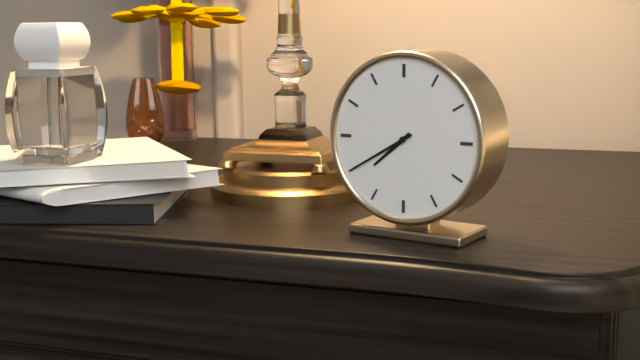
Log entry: {"hour": 7, "minute": 40}
